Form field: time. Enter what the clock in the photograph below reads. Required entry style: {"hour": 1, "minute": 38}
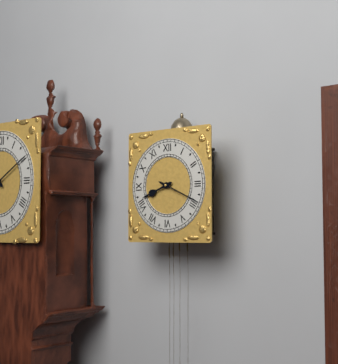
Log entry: {"hour": 8, "minute": 19}
